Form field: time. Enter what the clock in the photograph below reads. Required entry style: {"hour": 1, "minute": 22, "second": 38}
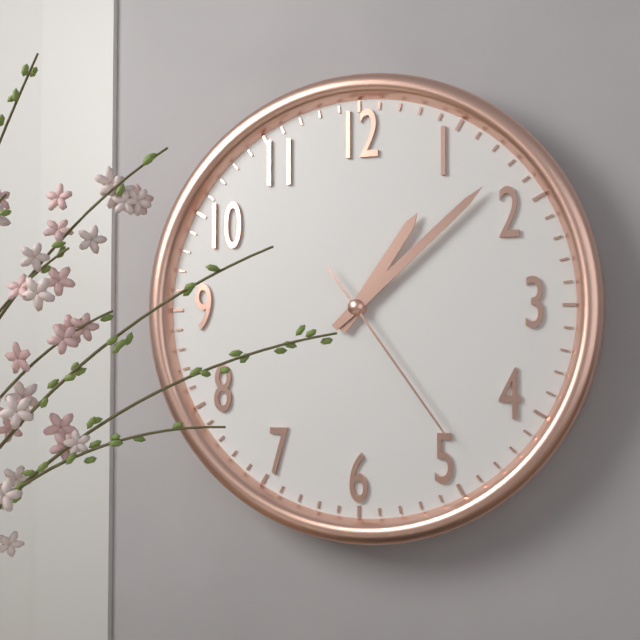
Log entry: {"hour": 1, "minute": 8, "second": 24}
